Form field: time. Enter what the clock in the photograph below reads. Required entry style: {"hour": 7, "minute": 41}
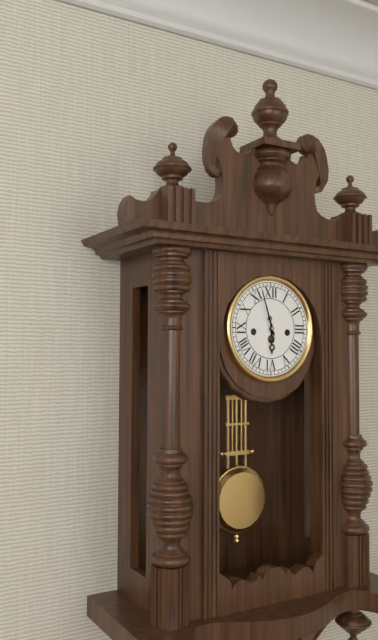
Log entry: {"hour": 5, "minute": 57}
